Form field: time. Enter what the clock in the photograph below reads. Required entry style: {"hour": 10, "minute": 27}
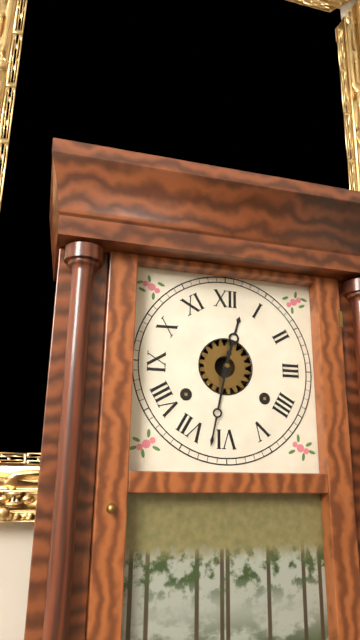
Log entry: {"hour": 12, "minute": 32}
